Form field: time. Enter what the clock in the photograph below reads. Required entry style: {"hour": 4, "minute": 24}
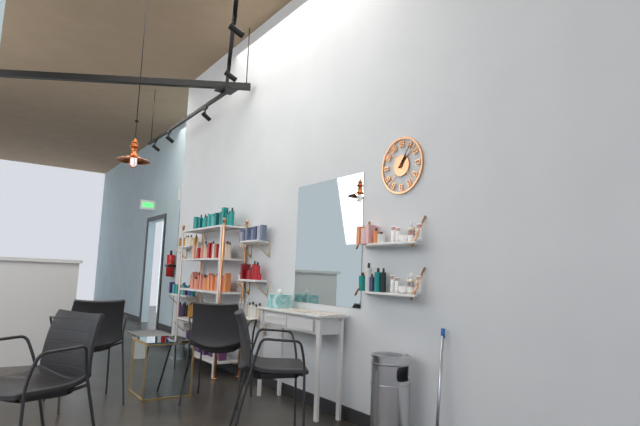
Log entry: {"hour": 1, "minute": 6}
